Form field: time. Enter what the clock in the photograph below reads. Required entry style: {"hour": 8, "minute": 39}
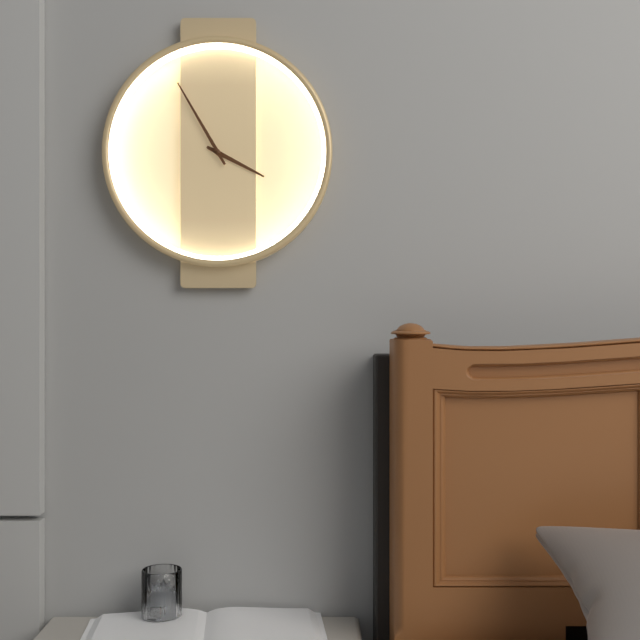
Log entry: {"hour": 3, "minute": 55}
